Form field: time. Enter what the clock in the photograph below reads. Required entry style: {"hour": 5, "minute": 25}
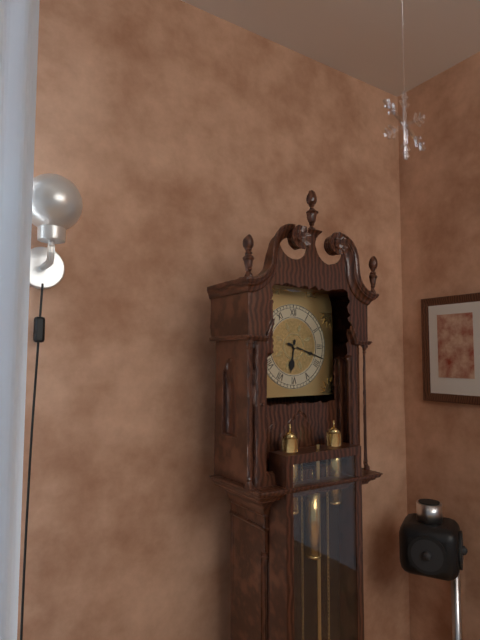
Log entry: {"hour": 6, "minute": 18}
